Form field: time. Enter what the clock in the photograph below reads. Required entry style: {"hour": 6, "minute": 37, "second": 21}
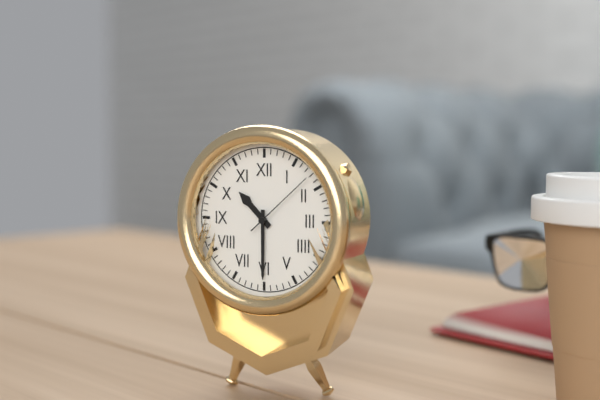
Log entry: {"hour": 10, "minute": 30, "second": 8}
